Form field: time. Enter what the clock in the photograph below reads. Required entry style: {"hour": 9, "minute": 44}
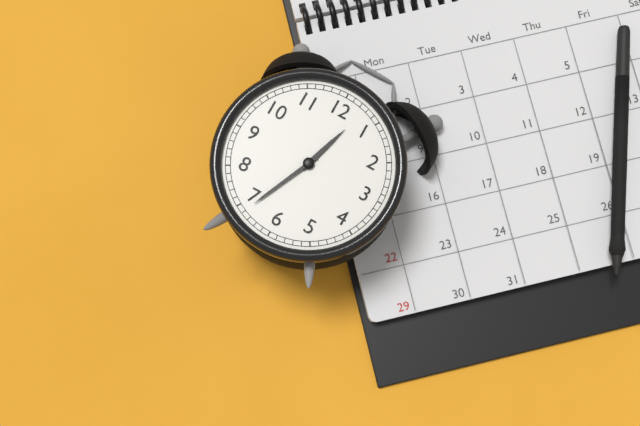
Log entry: {"hour": 12, "minute": 34}
